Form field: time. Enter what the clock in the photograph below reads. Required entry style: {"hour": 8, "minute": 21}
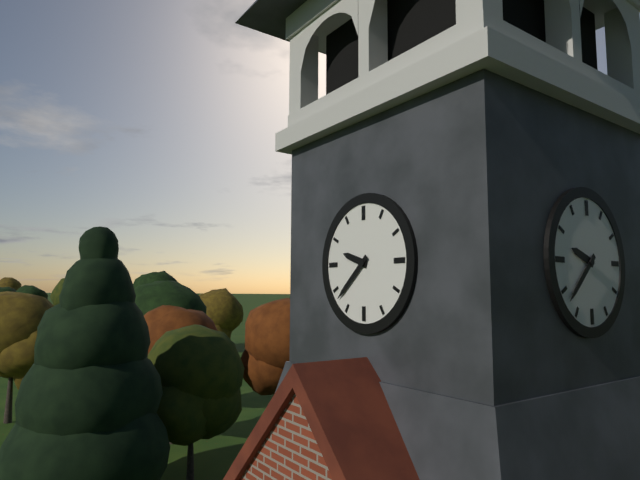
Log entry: {"hour": 9, "minute": 38}
